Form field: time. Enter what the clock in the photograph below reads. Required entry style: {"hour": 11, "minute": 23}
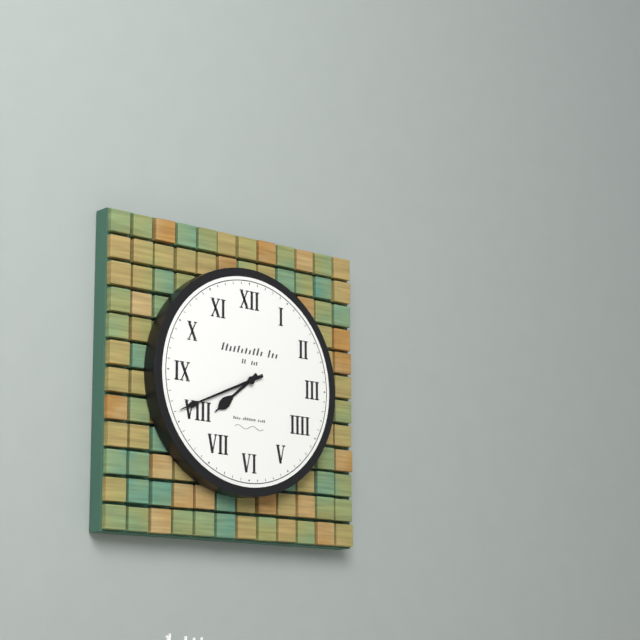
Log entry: {"hour": 7, "minute": 41}
